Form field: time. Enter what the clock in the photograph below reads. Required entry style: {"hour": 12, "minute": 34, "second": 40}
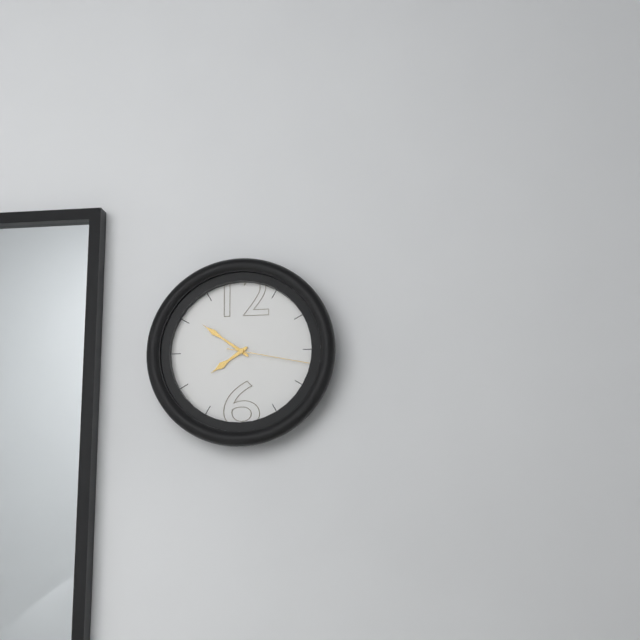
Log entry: {"hour": 7, "minute": 51, "second": 17}
